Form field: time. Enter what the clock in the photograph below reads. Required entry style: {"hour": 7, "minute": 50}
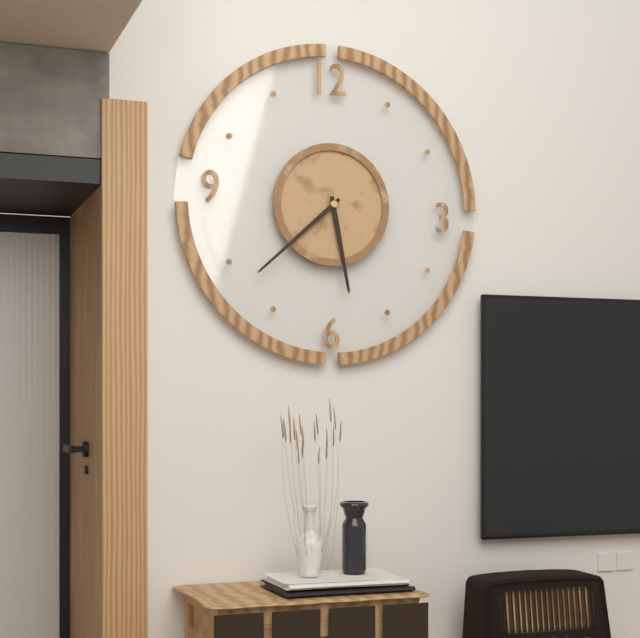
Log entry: {"hour": 5, "minute": 38}
